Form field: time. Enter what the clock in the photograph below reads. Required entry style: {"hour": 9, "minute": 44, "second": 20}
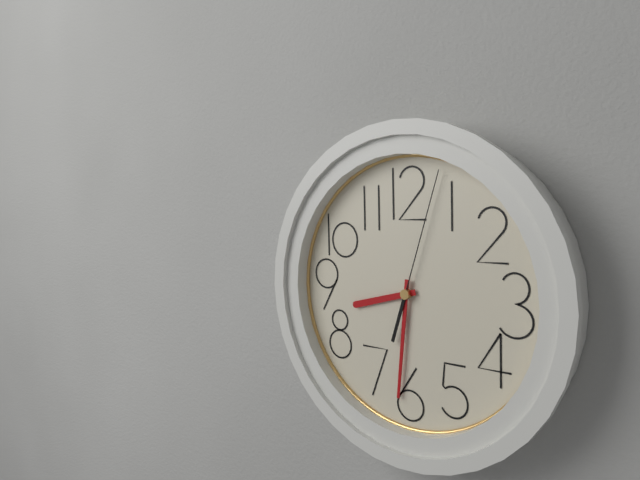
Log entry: {"hour": 8, "minute": 31, "second": 3}
